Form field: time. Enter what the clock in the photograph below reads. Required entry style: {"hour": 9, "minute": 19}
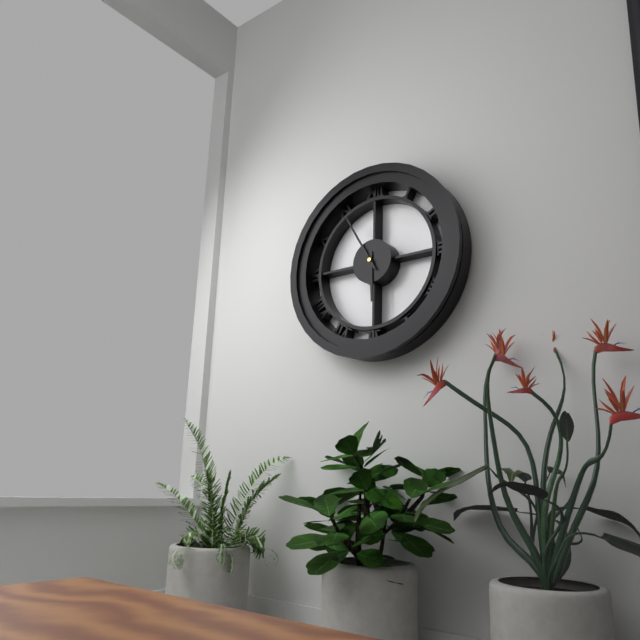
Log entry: {"hour": 5, "minute": 55}
